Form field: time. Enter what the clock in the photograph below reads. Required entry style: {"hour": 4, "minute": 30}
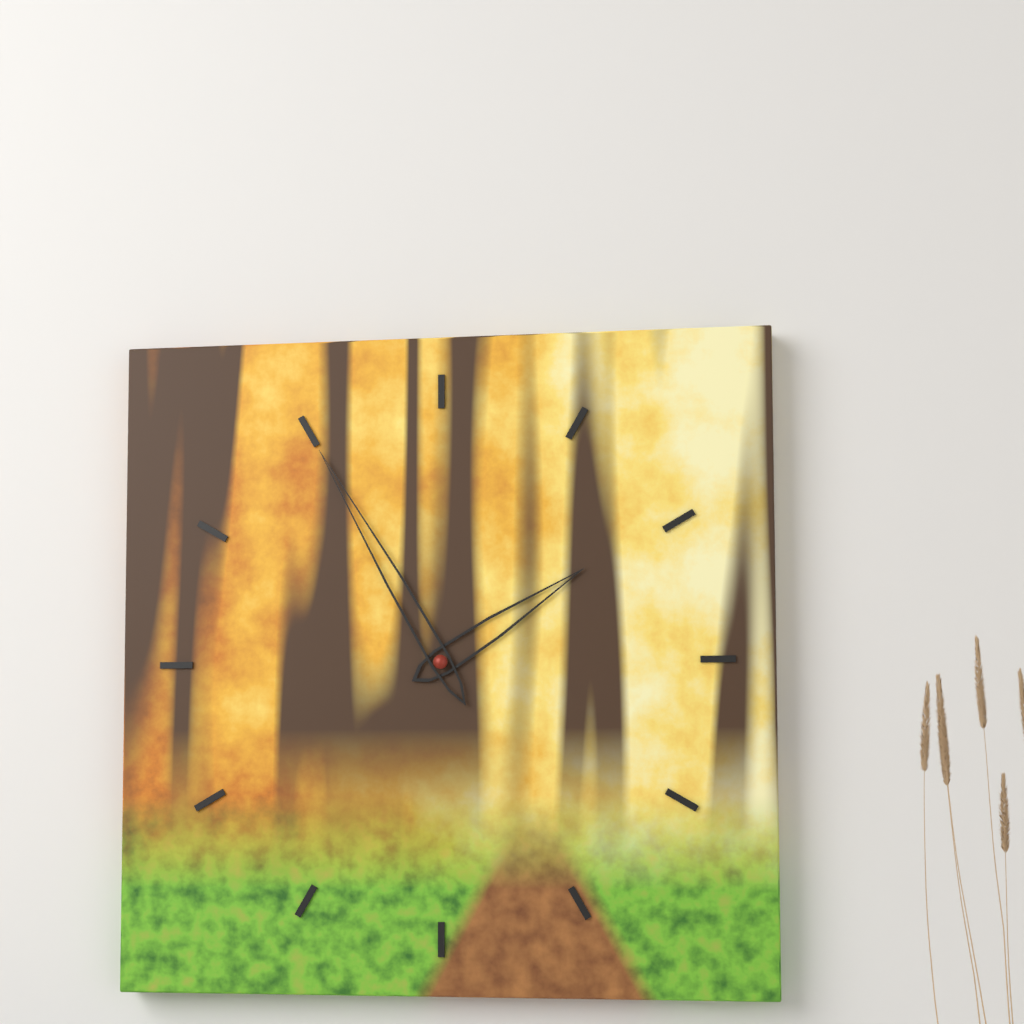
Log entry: {"hour": 1, "minute": 55}
